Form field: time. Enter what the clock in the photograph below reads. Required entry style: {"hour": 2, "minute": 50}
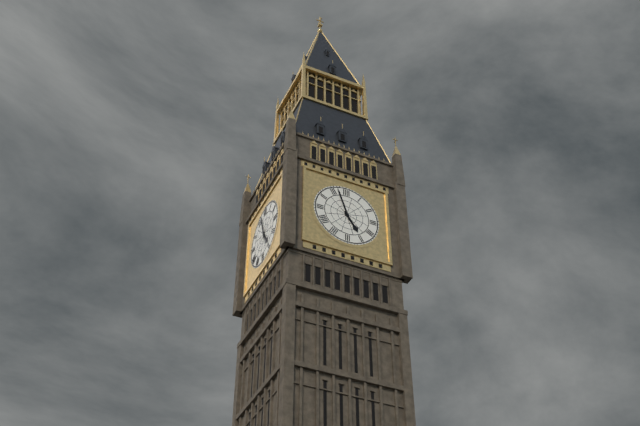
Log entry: {"hour": 4, "minute": 57}
